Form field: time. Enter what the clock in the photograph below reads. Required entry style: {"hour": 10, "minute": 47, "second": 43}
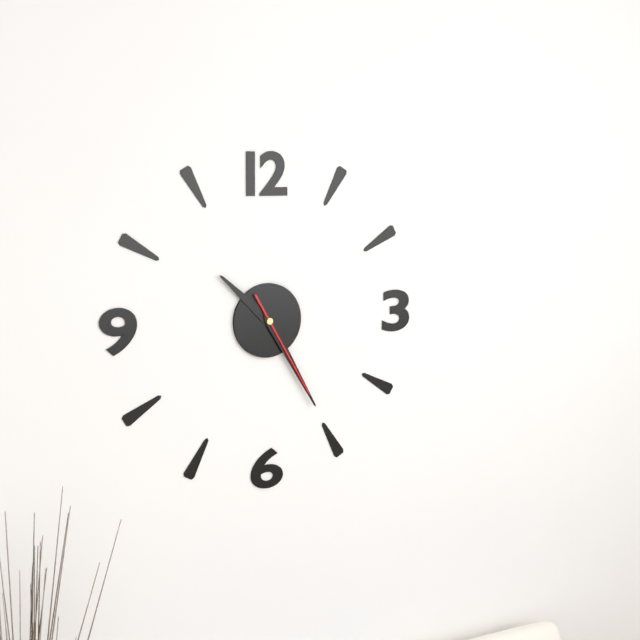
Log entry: {"hour": 10, "minute": 25, "second": 25}
